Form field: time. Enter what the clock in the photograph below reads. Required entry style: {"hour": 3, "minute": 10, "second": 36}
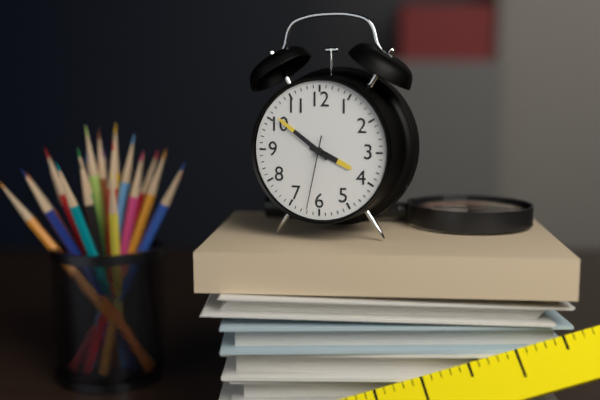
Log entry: {"hour": 3, "minute": 51, "second": 32}
